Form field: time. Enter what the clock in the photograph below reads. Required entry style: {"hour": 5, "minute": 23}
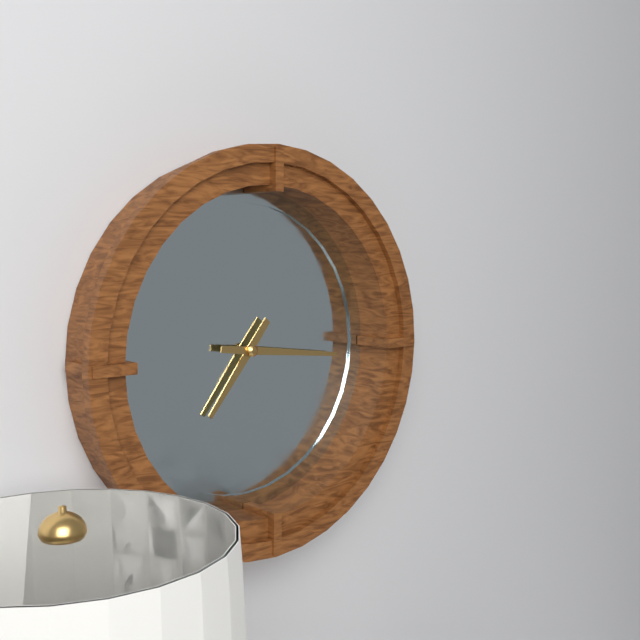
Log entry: {"hour": 7, "minute": 16}
